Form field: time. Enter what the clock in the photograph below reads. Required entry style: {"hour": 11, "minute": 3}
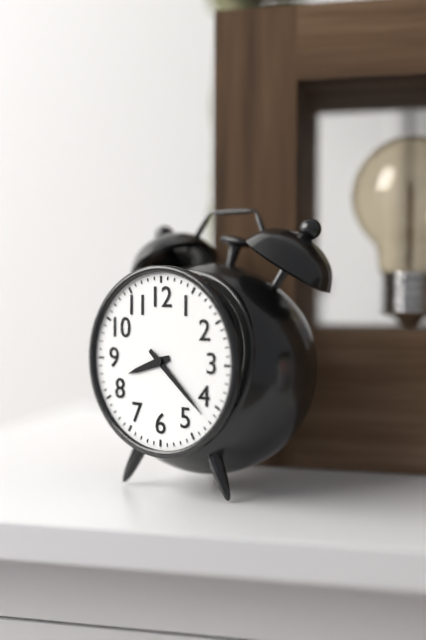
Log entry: {"hour": 8, "minute": 22}
